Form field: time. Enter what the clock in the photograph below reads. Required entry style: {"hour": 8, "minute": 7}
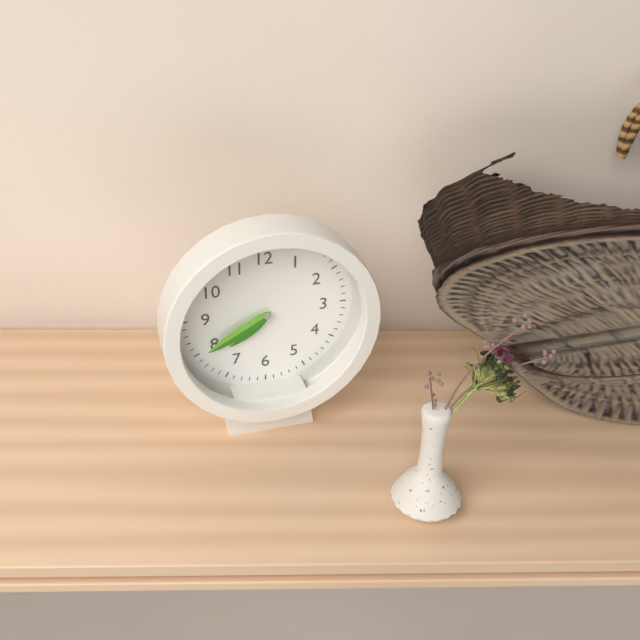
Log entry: {"hour": 7, "minute": 40}
